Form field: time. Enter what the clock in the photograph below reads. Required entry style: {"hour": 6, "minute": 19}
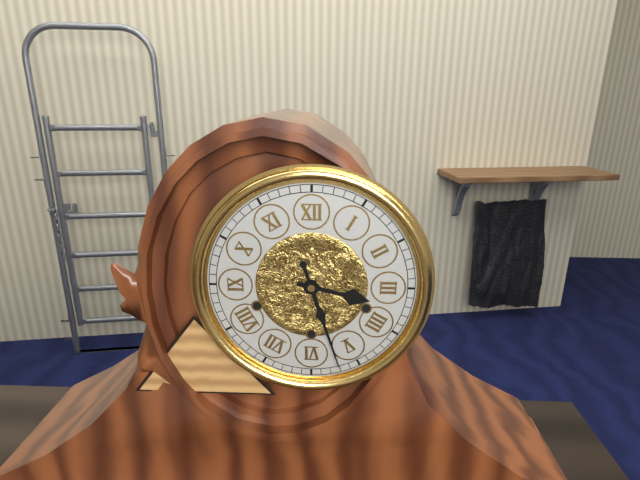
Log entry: {"hour": 3, "minute": 27}
